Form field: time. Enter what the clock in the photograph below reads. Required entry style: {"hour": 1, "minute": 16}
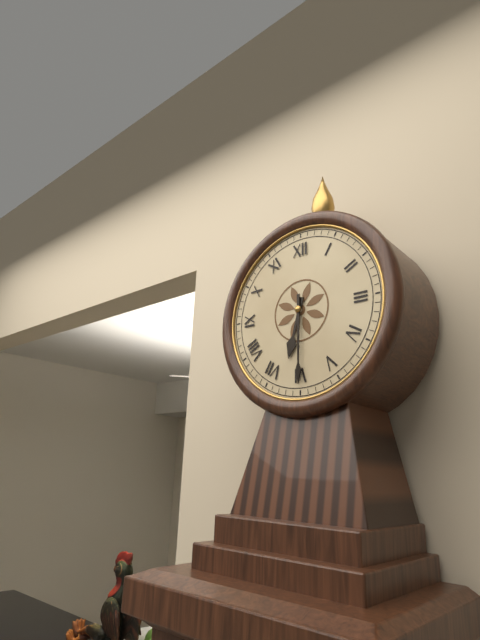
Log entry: {"hour": 6, "minute": 30}
